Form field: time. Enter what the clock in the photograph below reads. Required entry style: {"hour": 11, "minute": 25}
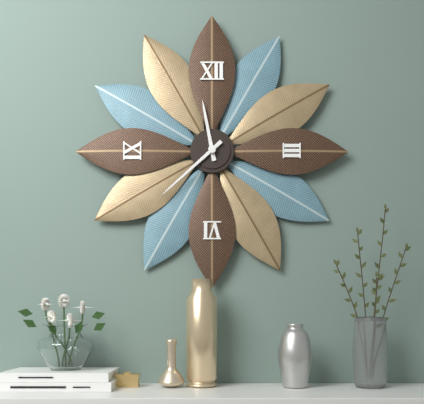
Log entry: {"hour": 11, "minute": 38}
